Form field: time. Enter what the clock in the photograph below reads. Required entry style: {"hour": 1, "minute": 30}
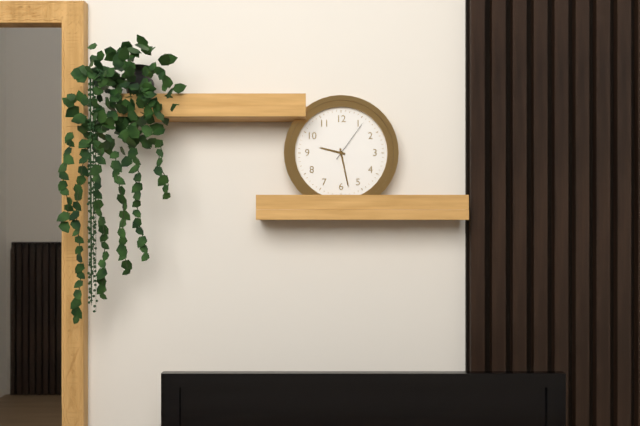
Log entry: {"hour": 9, "minute": 28}
